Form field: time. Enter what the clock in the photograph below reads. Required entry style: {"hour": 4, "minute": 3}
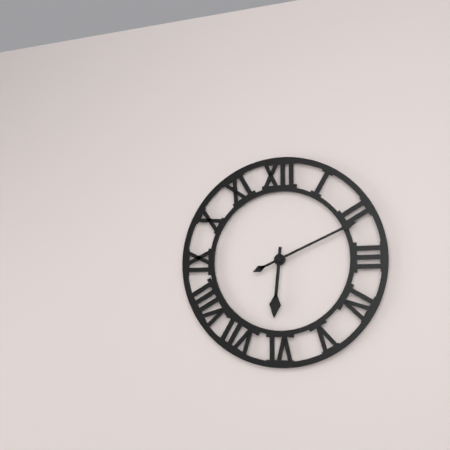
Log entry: {"hour": 6, "minute": 11}
